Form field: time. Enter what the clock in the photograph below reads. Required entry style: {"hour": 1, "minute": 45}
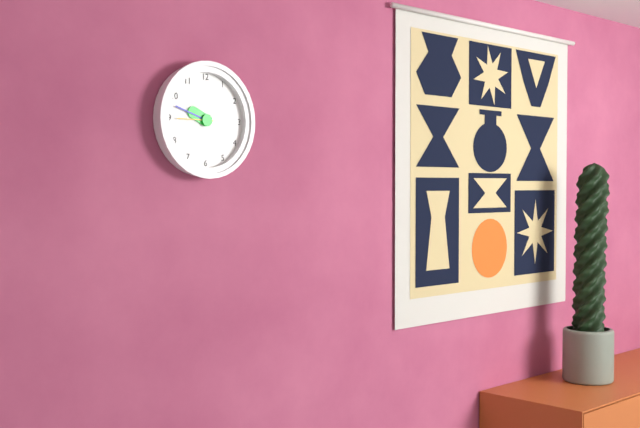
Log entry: {"hour": 9, "minute": 48}
